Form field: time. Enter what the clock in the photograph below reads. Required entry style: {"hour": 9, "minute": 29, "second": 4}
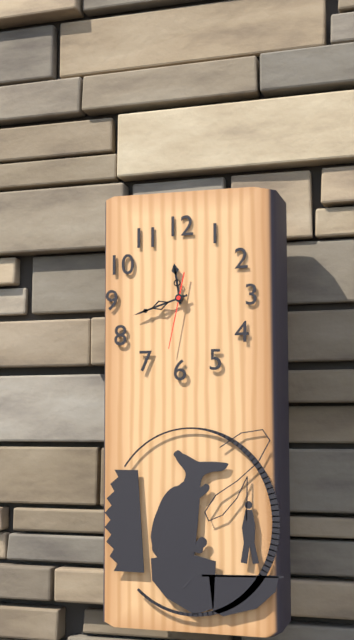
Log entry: {"hour": 11, "minute": 42, "second": 32}
